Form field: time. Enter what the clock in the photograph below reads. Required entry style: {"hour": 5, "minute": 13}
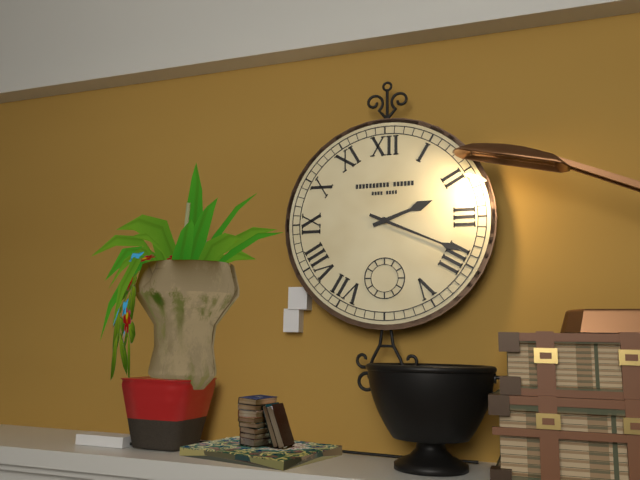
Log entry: {"hour": 2, "minute": 19}
